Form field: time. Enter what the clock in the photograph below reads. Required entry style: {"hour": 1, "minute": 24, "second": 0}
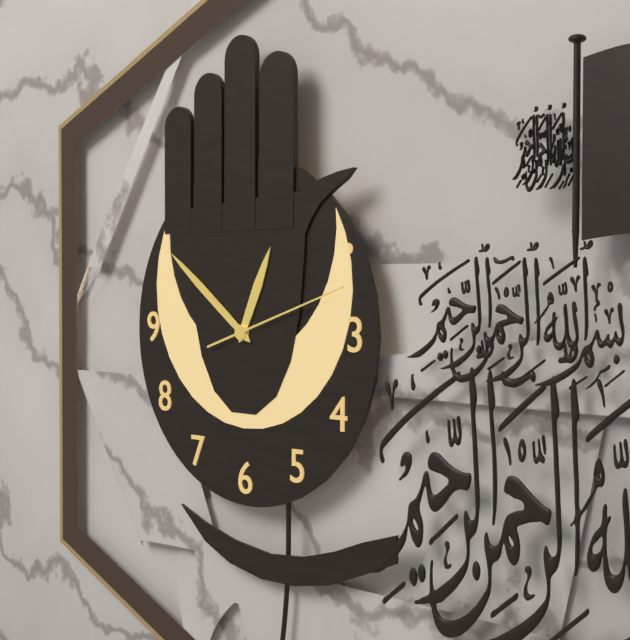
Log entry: {"hour": 12, "minute": 51, "second": 12}
